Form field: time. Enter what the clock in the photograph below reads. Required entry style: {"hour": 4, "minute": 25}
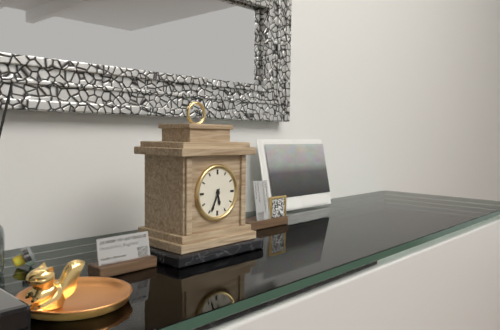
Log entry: {"hour": 5, "minute": 34}
